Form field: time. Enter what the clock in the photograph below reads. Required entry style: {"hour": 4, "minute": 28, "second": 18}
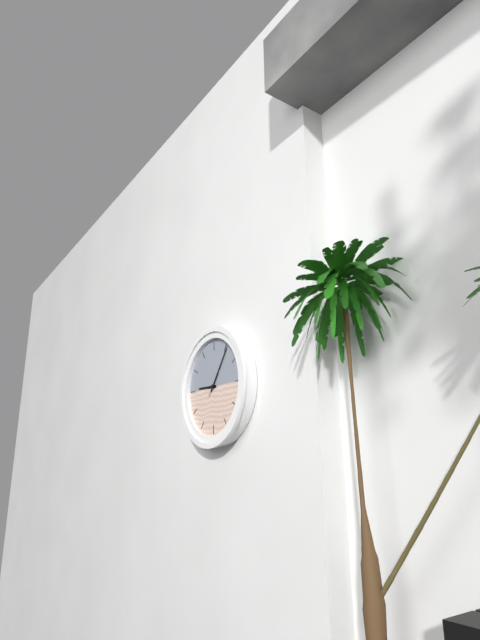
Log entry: {"hour": 9, "minute": 6, "second": 6}
